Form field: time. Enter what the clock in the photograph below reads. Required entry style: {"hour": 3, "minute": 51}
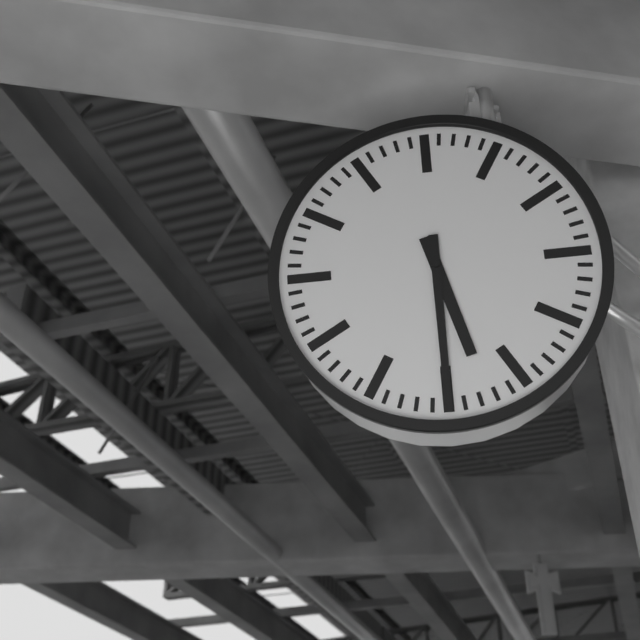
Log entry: {"hour": 5, "minute": 30}
